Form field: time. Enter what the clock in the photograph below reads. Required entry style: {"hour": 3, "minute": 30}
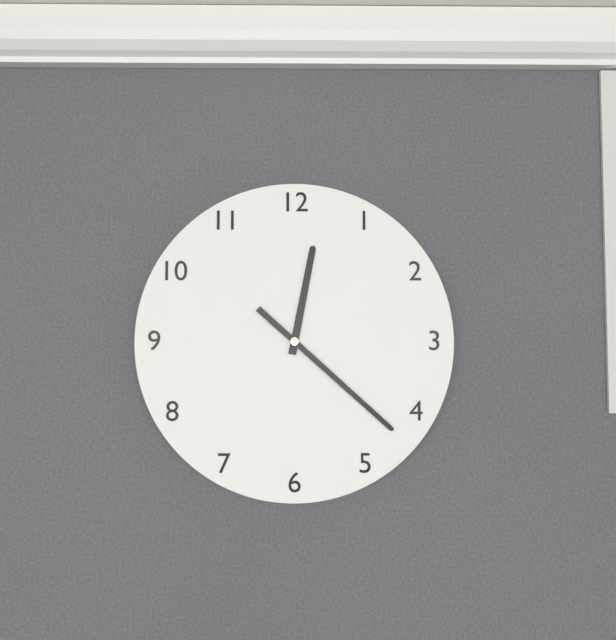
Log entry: {"hour": 12, "minute": 22}
